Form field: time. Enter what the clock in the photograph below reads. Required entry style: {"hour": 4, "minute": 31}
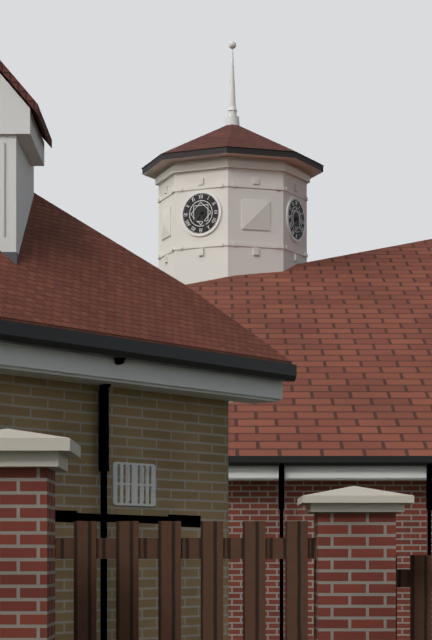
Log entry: {"hour": 7, "minute": 26}
